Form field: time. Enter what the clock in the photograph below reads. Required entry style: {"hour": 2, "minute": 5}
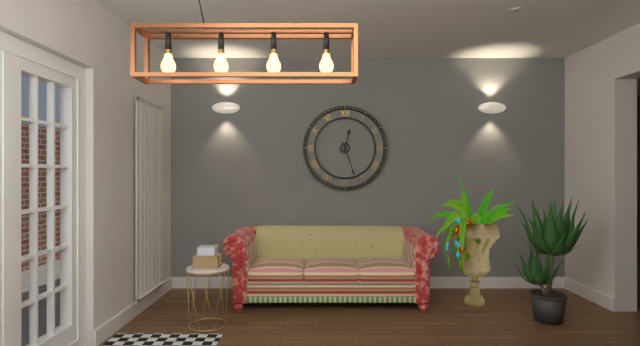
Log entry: {"hour": 12, "minute": 27}
